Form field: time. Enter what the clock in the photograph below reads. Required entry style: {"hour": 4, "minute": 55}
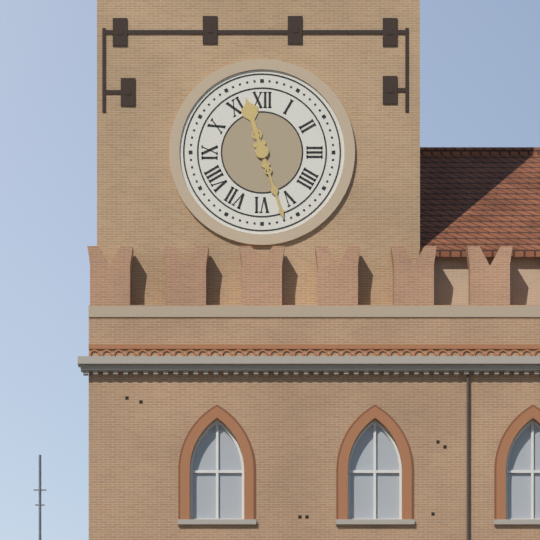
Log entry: {"hour": 11, "minute": 27}
